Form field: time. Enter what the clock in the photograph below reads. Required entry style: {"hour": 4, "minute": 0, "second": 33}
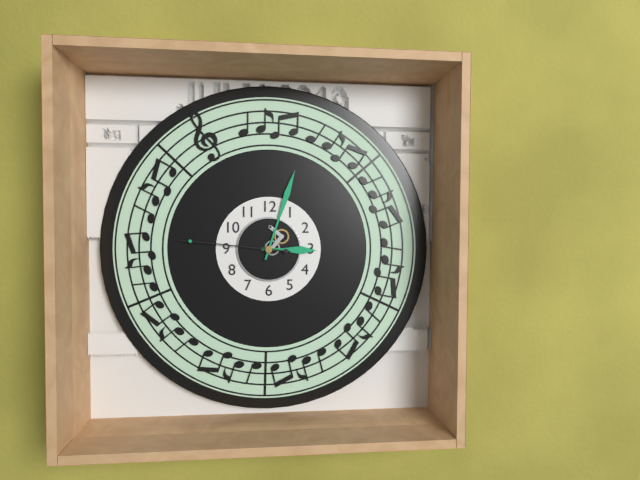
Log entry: {"hour": 3, "minute": 3, "second": 46}
